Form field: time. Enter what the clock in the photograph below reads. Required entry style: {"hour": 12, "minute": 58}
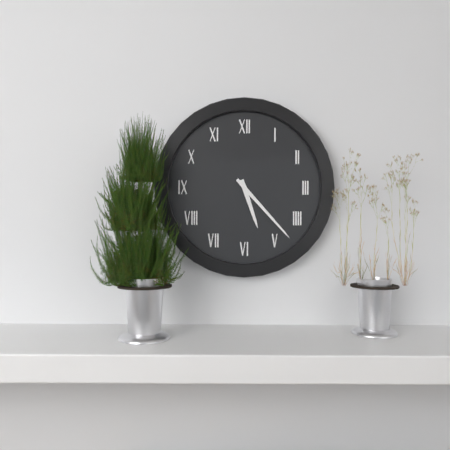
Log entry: {"hour": 5, "minute": 23}
